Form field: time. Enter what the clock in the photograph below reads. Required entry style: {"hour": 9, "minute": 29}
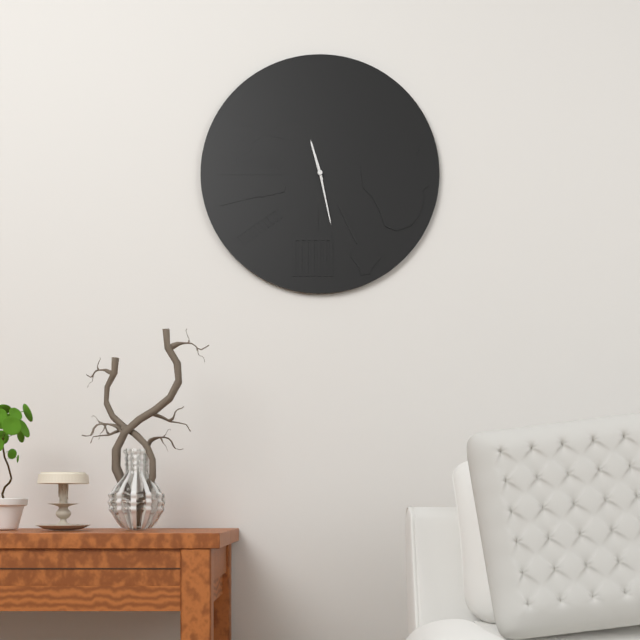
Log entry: {"hour": 11, "minute": 28}
